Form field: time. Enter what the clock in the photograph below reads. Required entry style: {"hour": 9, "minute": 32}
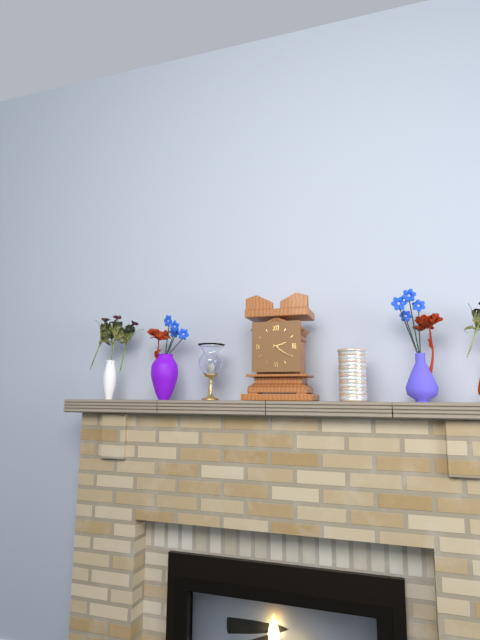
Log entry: {"hour": 2, "minute": 21}
